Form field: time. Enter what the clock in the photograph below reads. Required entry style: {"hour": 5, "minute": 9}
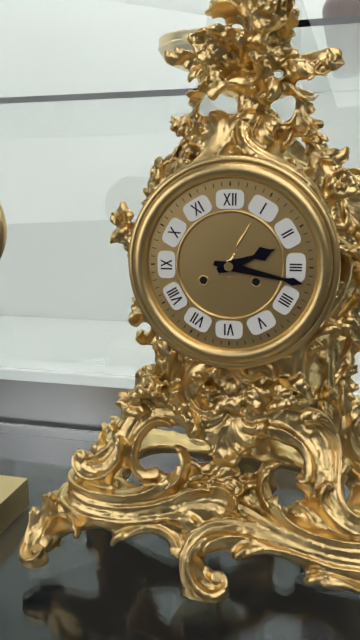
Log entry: {"hour": 2, "minute": 17}
